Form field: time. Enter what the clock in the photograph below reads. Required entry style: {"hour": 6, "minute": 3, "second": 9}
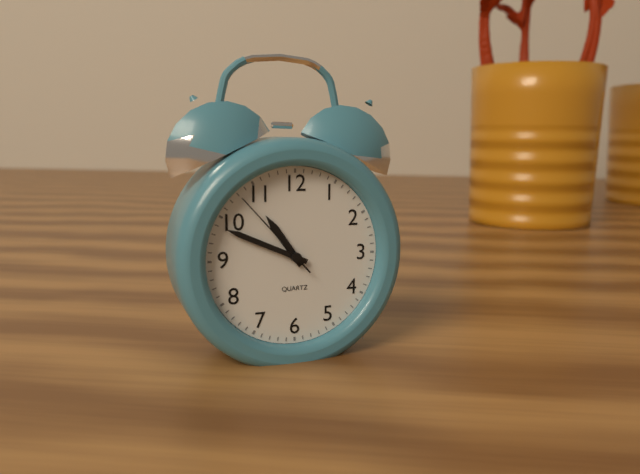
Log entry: {"hour": 10, "minute": 49, "second": 53}
